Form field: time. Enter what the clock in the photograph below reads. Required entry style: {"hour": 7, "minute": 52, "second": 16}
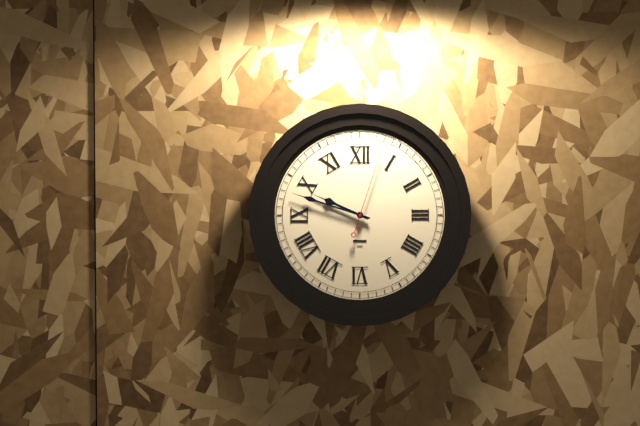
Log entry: {"hour": 9, "minute": 48, "second": 3}
